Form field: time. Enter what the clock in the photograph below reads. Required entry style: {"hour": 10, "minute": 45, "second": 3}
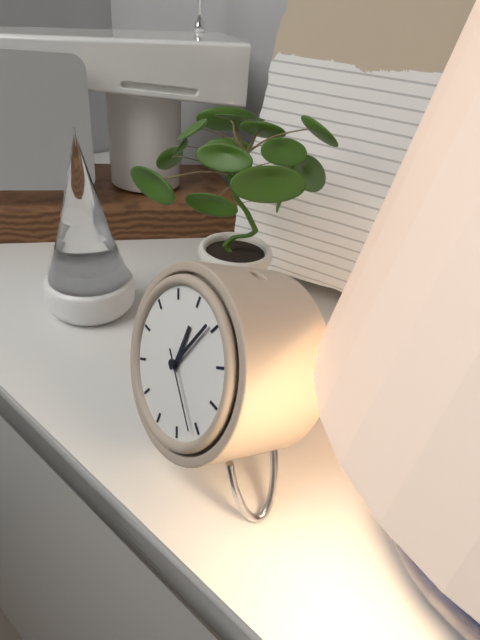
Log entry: {"hour": 12, "minute": 4, "second": 21}
